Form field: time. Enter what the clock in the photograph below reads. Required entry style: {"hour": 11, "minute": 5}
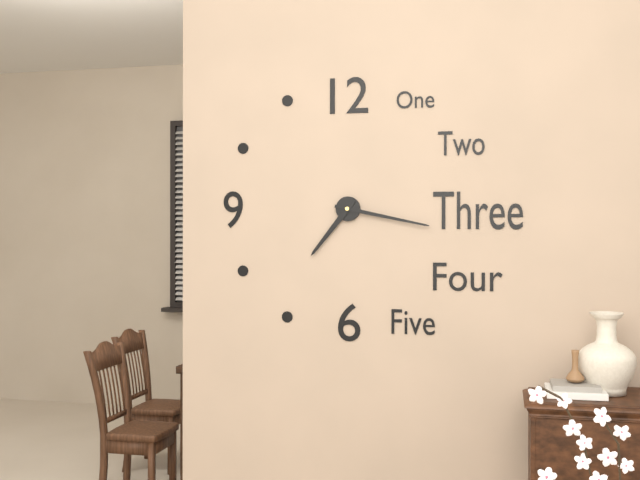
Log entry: {"hour": 7, "minute": 17}
